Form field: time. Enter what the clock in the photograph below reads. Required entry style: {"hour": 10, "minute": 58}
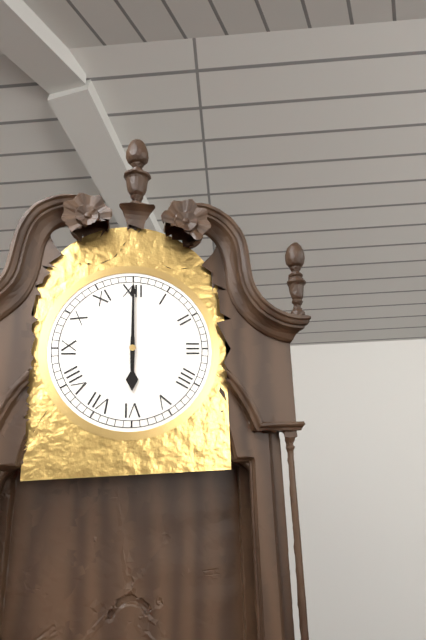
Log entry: {"hour": 6, "minute": 0}
